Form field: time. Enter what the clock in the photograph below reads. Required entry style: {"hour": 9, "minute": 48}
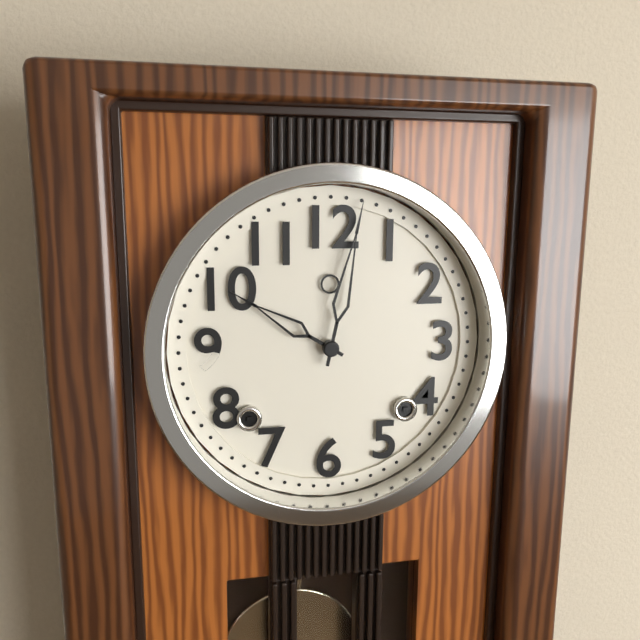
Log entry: {"hour": 10, "minute": 2}
